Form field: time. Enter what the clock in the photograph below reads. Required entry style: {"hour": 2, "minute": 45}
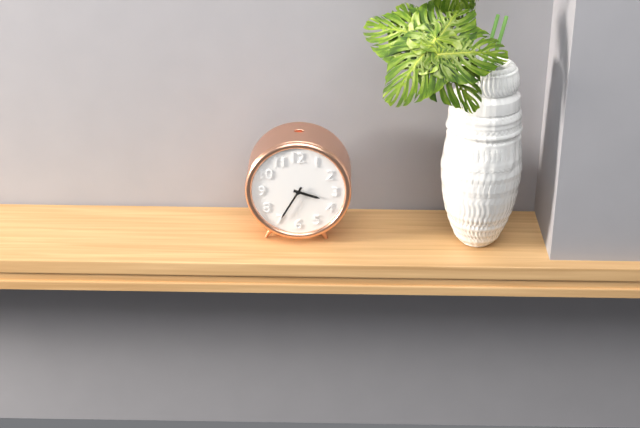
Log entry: {"hour": 3, "minute": 35}
